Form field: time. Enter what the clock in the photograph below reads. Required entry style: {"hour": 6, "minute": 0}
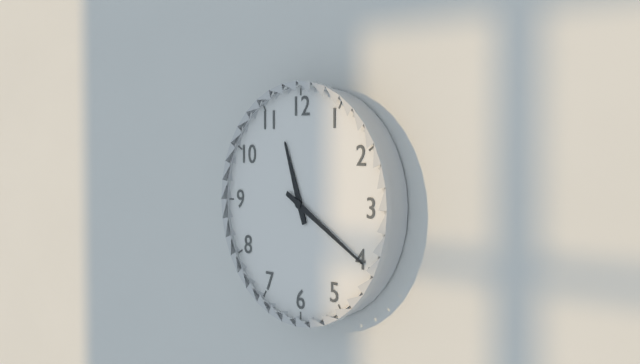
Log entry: {"hour": 11, "minute": 20}
